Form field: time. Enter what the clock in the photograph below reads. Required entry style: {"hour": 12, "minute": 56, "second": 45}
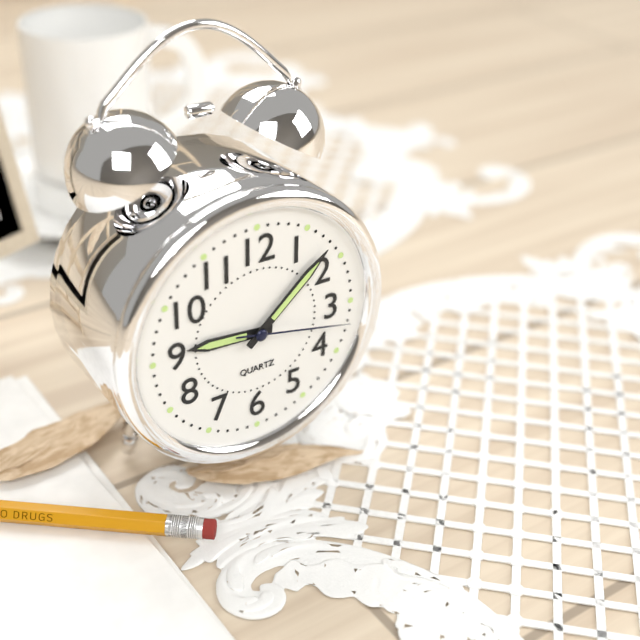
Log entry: {"hour": 9, "minute": 8, "second": 17}
